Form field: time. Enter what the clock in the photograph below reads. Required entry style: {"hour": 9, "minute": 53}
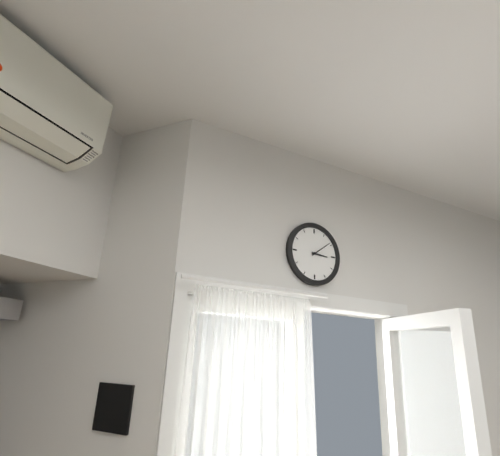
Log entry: {"hour": 3, "minute": 9}
